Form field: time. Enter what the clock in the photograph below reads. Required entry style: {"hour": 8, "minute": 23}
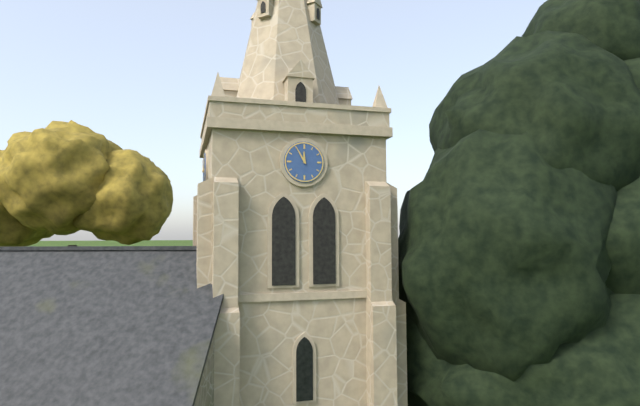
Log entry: {"hour": 11, "minute": 55}
